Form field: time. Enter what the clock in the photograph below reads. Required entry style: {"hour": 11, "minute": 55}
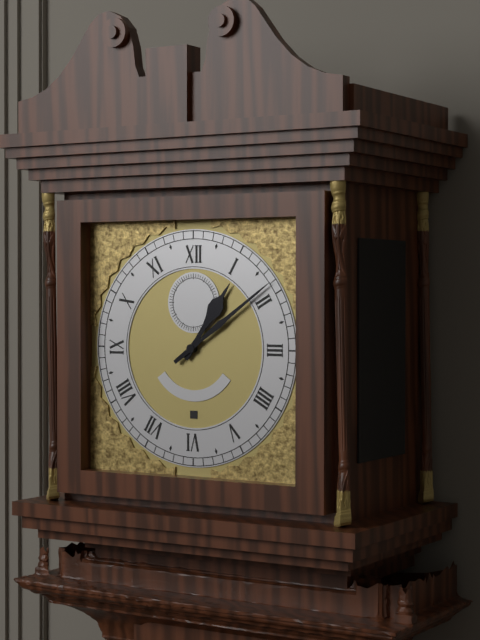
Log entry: {"hour": 1, "minute": 9}
